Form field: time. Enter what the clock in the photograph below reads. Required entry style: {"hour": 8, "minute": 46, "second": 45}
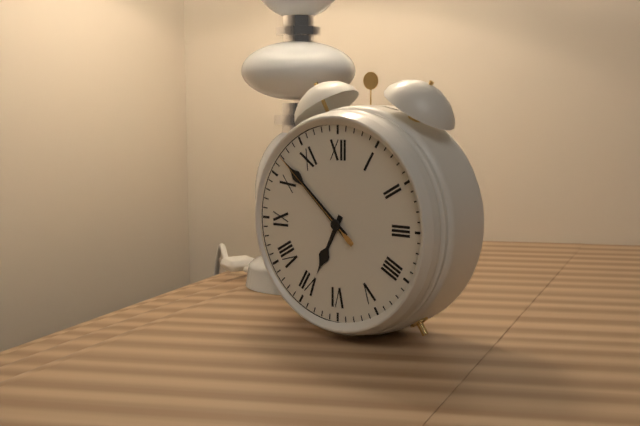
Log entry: {"hour": 6, "minute": 52, "second": 52}
